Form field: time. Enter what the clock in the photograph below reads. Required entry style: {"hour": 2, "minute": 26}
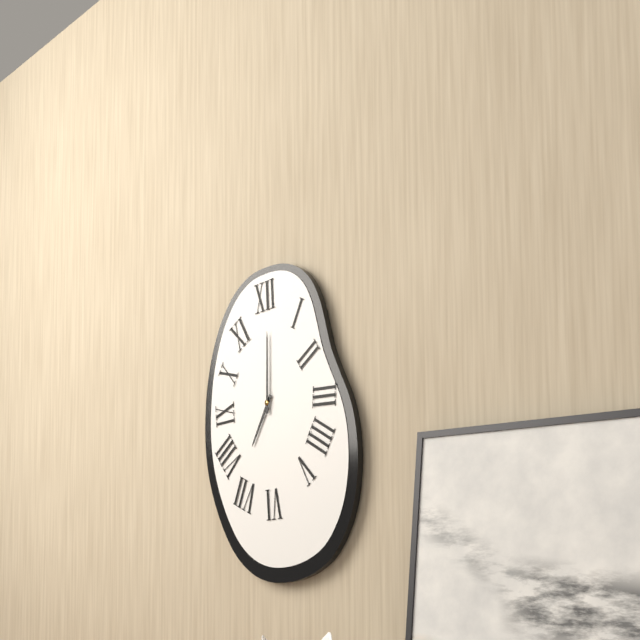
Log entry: {"hour": 7, "minute": 0}
